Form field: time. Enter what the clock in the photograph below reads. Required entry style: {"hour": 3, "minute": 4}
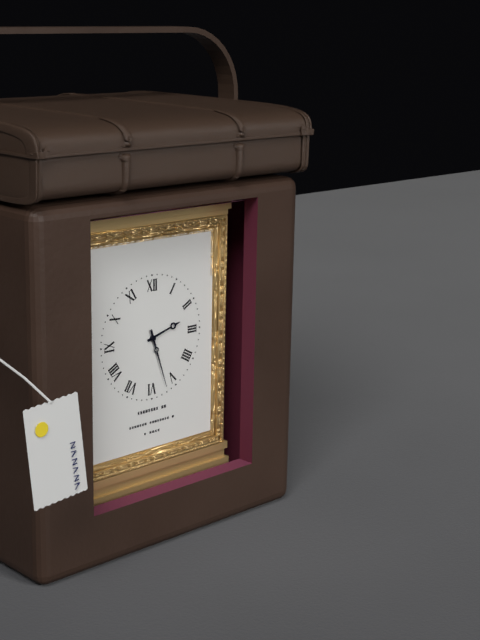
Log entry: {"hour": 2, "minute": 27}
